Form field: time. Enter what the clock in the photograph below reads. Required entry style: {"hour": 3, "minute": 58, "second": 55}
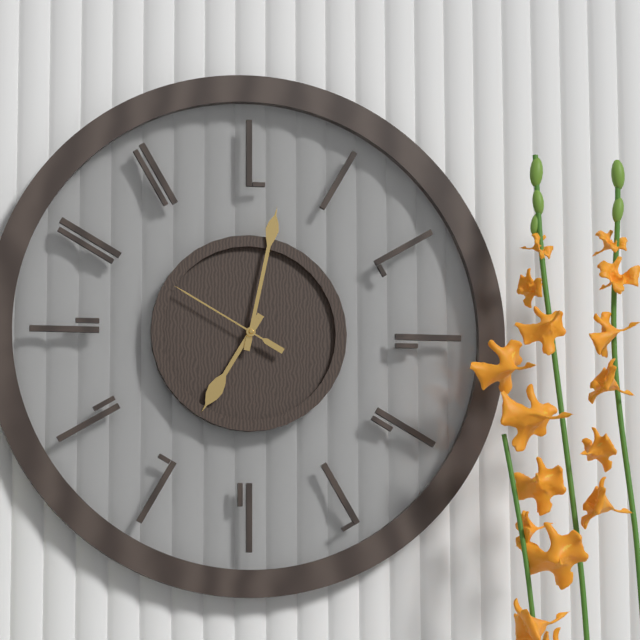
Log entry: {"hour": 7, "minute": 2, "second": 50}
